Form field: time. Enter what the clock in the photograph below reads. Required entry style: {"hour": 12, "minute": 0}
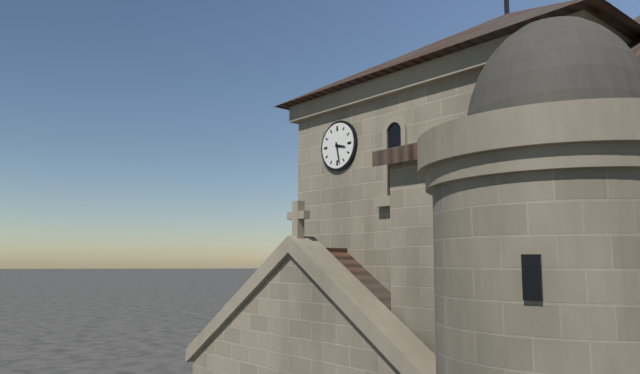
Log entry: {"hour": 3, "minute": 28}
